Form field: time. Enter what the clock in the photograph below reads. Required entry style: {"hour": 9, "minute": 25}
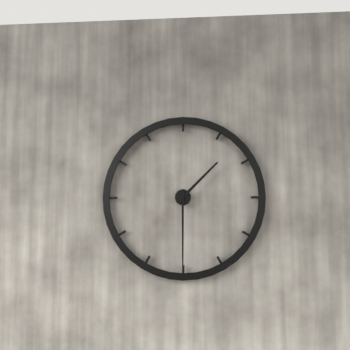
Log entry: {"hour": 1, "minute": 30}
